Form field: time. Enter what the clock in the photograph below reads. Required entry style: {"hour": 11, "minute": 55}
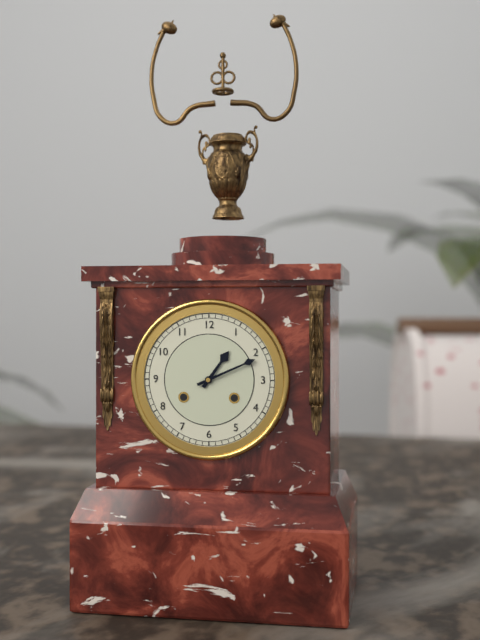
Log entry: {"hour": 1, "minute": 11}
